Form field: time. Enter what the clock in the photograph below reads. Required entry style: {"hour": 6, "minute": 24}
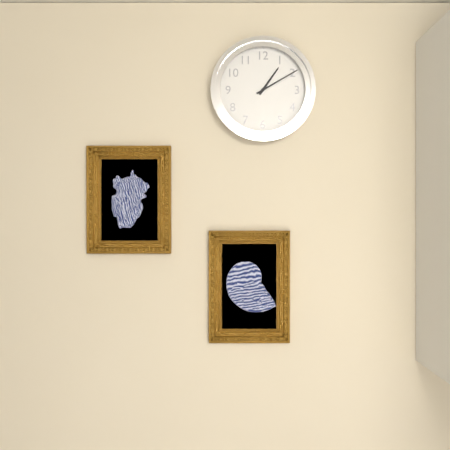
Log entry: {"hour": 1, "minute": 10}
